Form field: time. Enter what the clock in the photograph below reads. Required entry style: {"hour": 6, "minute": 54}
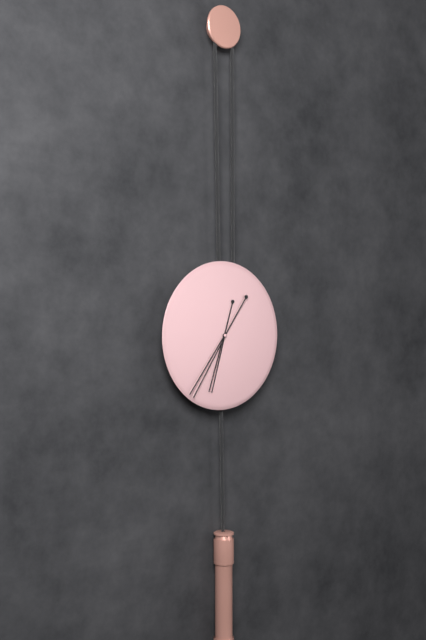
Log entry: {"hour": 6, "minute": 36}
